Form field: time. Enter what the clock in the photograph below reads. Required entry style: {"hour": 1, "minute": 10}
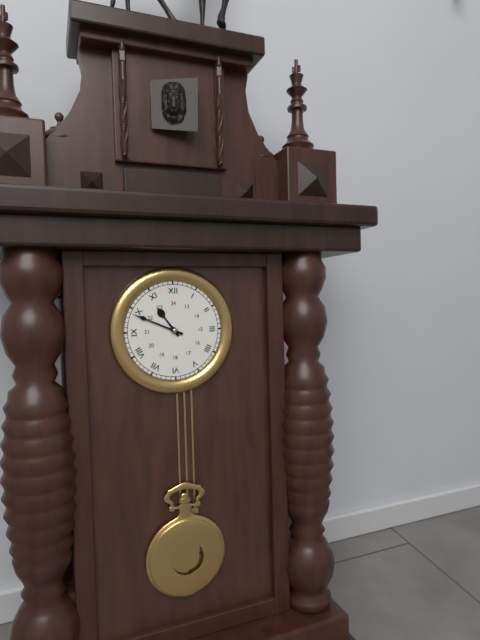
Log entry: {"hour": 10, "minute": 49}
